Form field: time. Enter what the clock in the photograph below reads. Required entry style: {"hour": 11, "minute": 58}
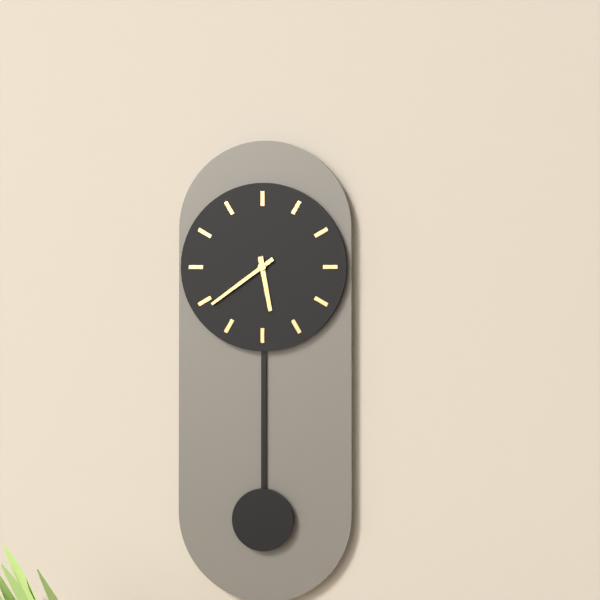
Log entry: {"hour": 5, "minute": 39}
